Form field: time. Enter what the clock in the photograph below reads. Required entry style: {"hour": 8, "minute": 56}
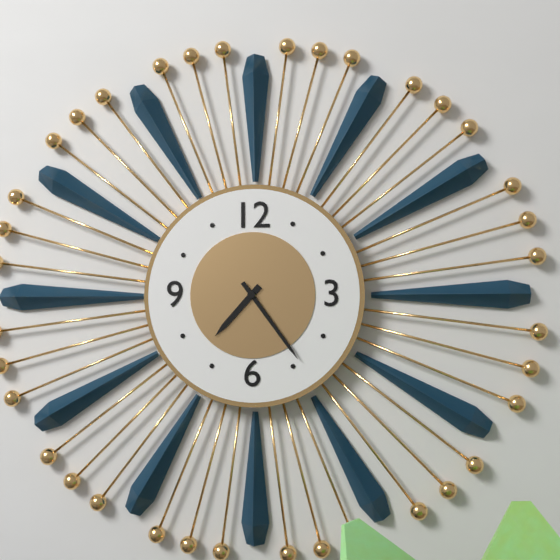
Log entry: {"hour": 7, "minute": 24}
